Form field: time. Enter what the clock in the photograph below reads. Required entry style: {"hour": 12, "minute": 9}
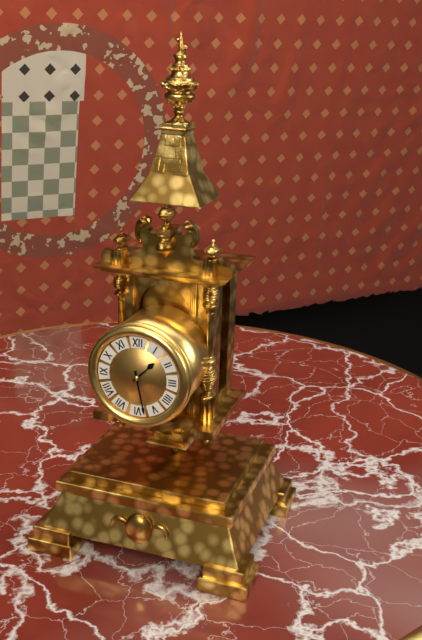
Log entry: {"hour": 1, "minute": 28}
